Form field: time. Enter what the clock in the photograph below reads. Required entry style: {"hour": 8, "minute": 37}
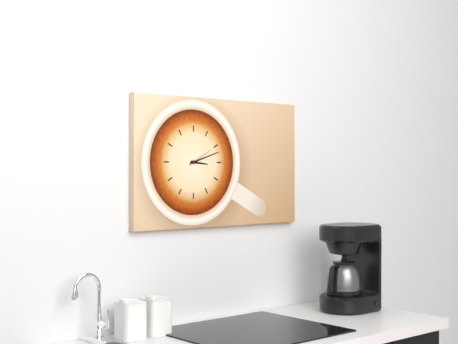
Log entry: {"hour": 3, "minute": 12}
